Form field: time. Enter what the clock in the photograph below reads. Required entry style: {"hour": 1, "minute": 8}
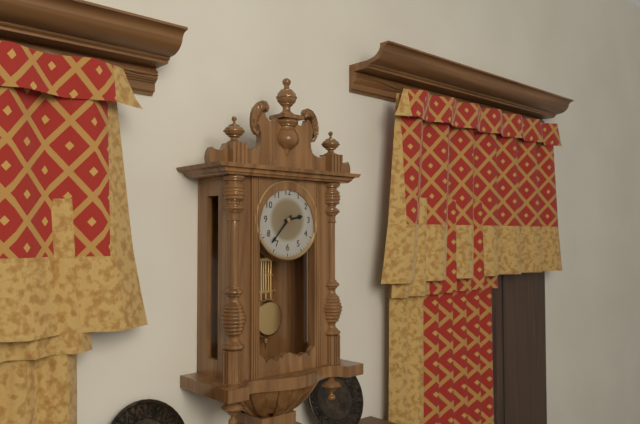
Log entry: {"hour": 2, "minute": 37}
